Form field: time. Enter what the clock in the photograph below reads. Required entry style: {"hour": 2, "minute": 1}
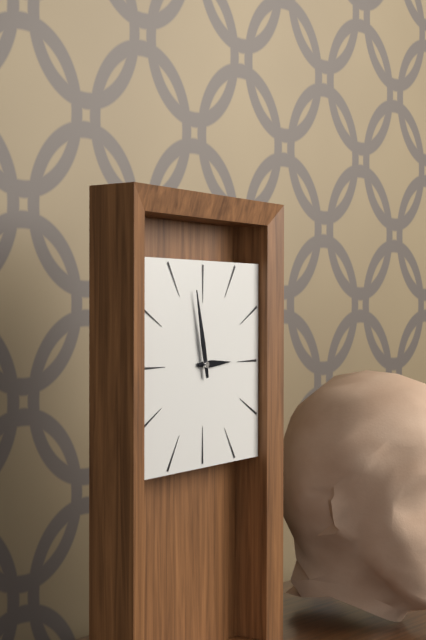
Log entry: {"hour": 2, "minute": 58}
